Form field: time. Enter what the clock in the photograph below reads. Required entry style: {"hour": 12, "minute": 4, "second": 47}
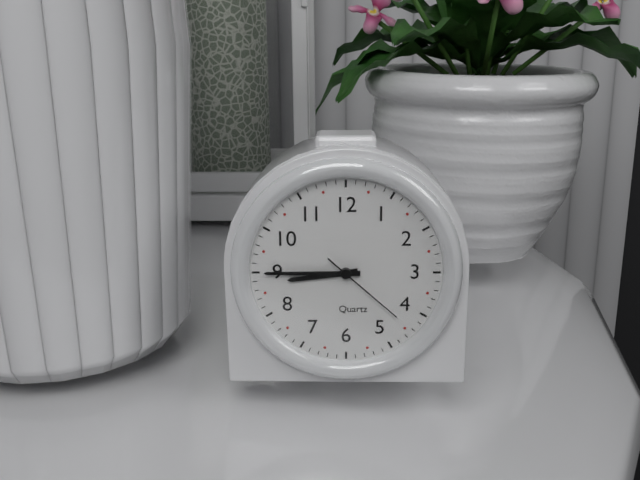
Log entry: {"hour": 8, "minute": 45, "second": 22}
